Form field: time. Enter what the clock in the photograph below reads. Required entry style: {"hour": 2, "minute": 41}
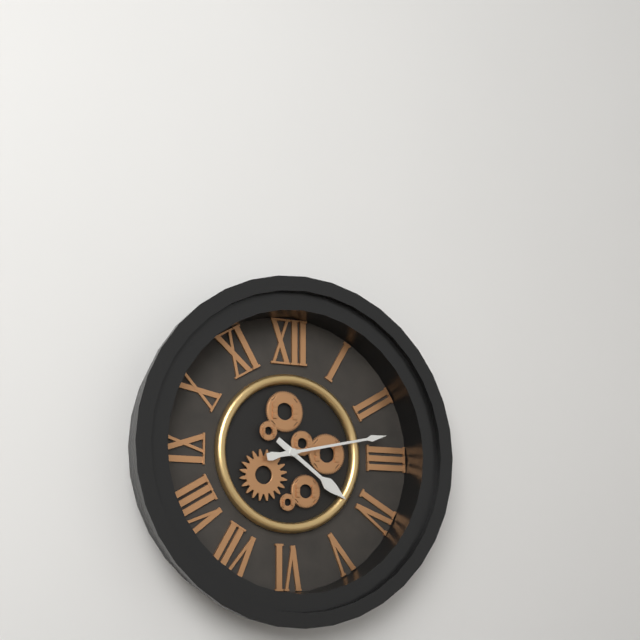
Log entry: {"hour": 4, "minute": 13}
